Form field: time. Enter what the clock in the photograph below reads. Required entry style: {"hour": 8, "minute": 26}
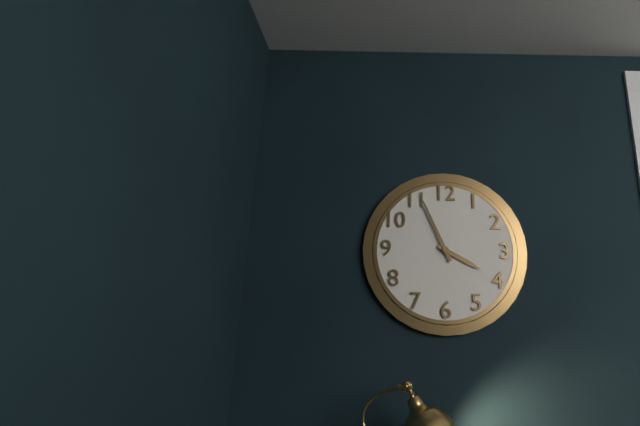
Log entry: {"hour": 3, "minute": 56}
